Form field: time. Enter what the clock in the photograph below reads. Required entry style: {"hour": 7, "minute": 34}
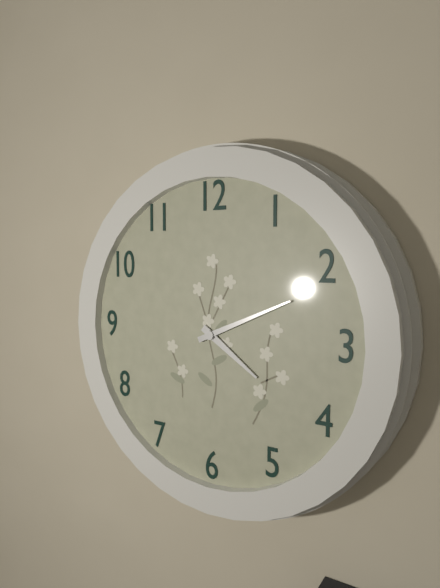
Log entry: {"hour": 4, "minute": 11}
